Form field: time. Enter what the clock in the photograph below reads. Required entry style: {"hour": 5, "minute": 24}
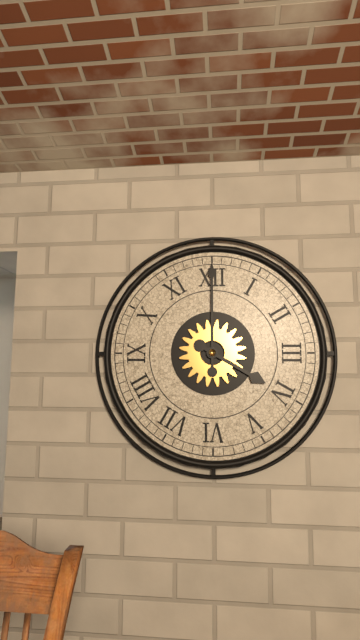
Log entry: {"hour": 4, "minute": 0}
